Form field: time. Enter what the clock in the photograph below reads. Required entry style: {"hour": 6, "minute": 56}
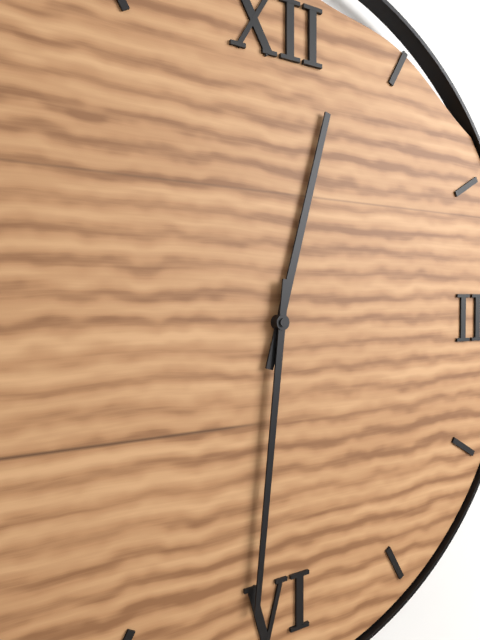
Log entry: {"hour": 12, "minute": 31}
